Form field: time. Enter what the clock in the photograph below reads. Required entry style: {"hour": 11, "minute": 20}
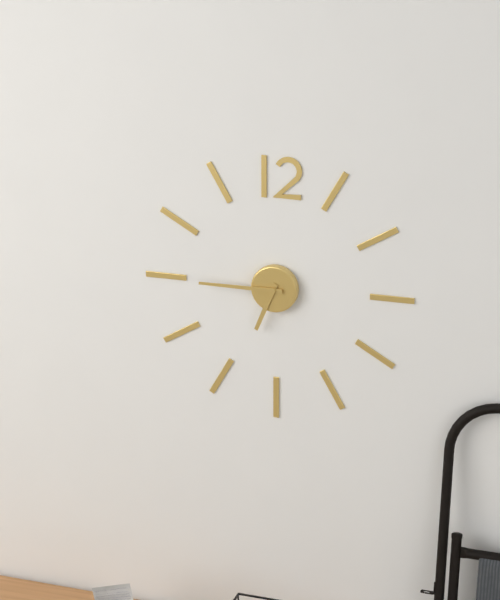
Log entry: {"hour": 6, "minute": 45}
